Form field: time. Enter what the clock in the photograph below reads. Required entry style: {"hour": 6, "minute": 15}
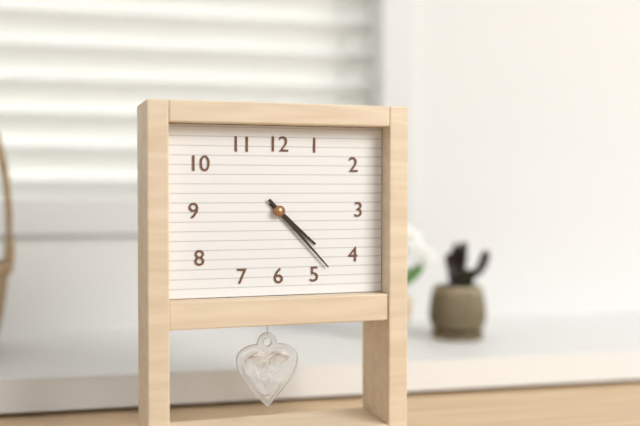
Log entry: {"hour": 4, "minute": 23}
